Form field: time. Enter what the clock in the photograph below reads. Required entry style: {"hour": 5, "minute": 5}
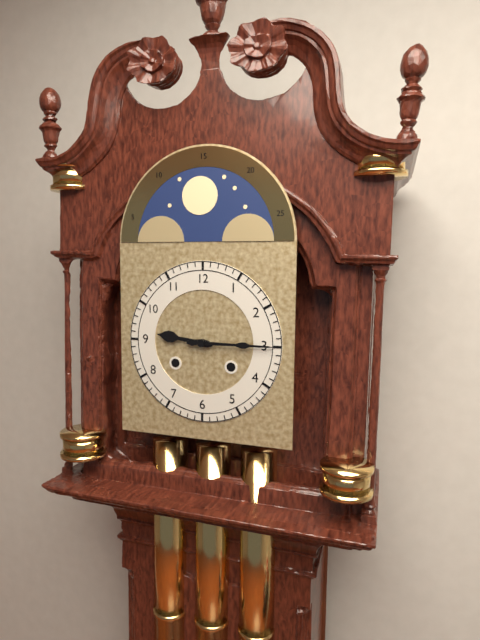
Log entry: {"hour": 9, "minute": 15}
